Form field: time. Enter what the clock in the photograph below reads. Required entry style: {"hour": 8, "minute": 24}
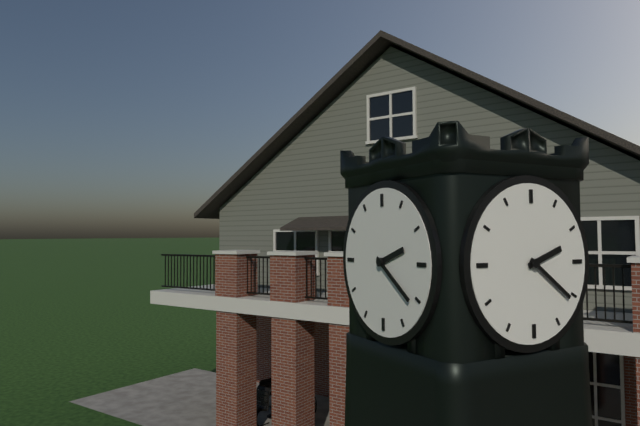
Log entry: {"hour": 2, "minute": 21}
